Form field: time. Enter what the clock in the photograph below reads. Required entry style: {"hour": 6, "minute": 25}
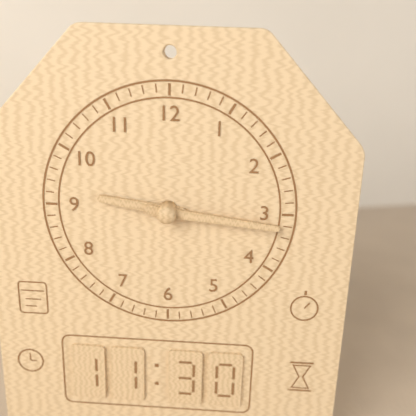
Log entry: {"hour": 9, "minute": 16}
